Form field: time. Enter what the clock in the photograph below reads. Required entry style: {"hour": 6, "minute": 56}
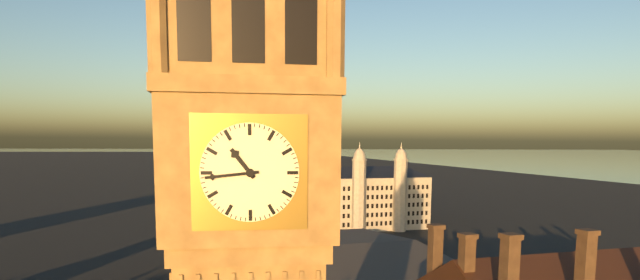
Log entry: {"hour": 10, "minute": 44}
